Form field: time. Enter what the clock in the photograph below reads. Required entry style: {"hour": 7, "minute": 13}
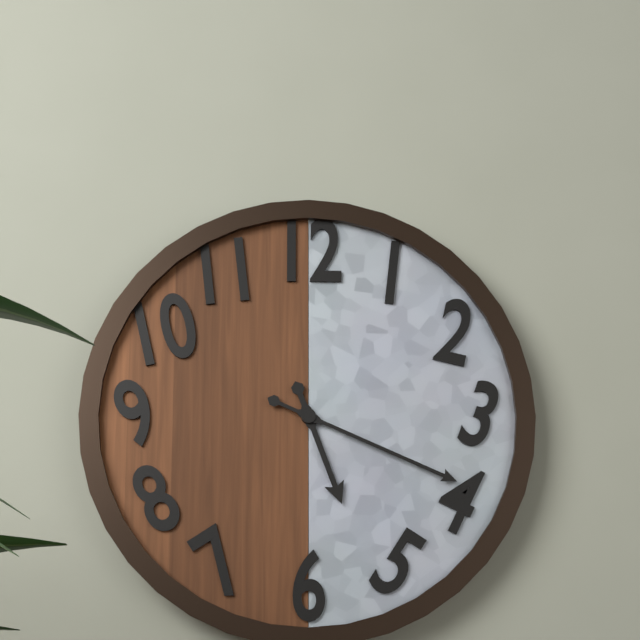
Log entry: {"hour": 5, "minute": 19}
